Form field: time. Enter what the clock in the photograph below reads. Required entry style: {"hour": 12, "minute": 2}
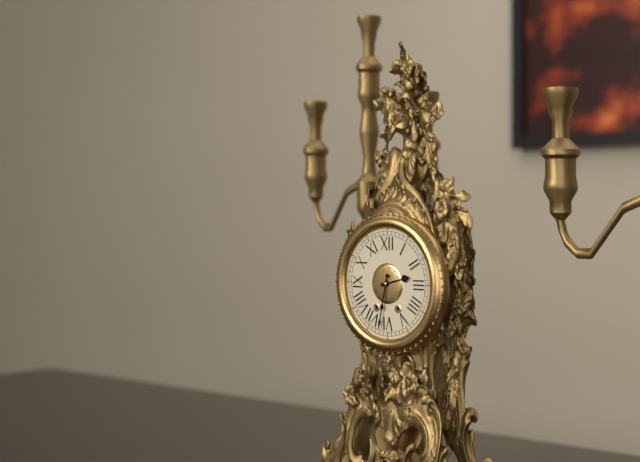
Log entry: {"hour": 2, "minute": 32}
